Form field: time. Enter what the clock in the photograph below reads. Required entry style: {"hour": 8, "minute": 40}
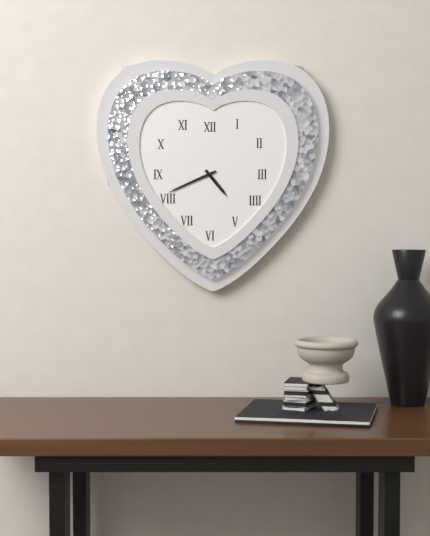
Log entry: {"hour": 4, "minute": 41}
